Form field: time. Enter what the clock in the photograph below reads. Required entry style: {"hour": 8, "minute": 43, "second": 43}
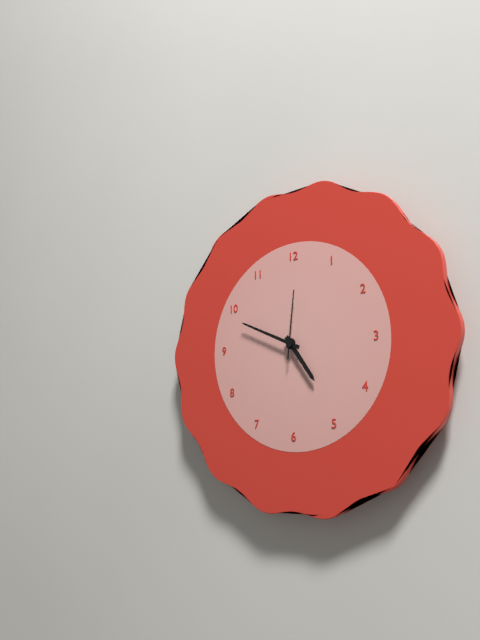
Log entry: {"hour": 4, "minute": 49, "second": 1}
